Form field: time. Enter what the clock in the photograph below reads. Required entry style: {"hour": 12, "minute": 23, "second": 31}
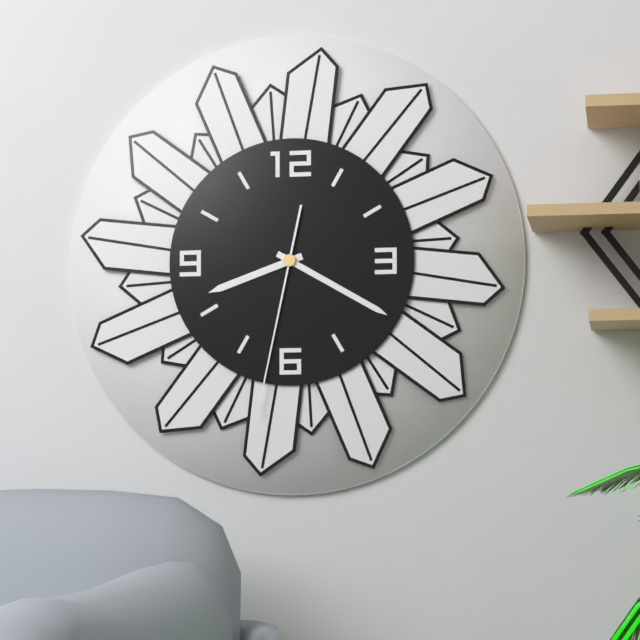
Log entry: {"hour": 8, "minute": 20, "second": 32}
